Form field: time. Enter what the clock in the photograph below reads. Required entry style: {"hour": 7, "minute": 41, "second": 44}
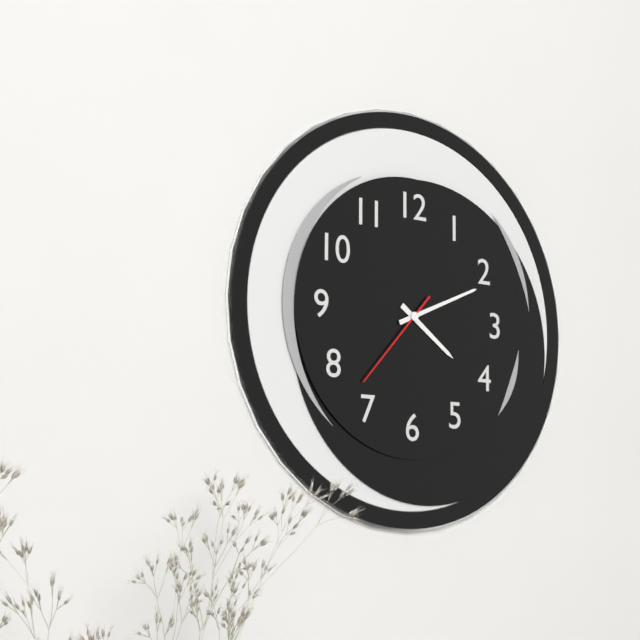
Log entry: {"hour": 4, "minute": 11, "second": 37}
